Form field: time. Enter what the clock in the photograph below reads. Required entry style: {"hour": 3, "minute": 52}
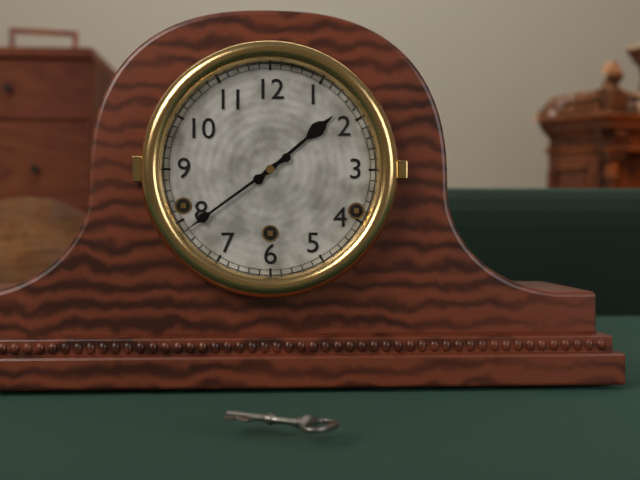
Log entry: {"hour": 1, "minute": 39}
